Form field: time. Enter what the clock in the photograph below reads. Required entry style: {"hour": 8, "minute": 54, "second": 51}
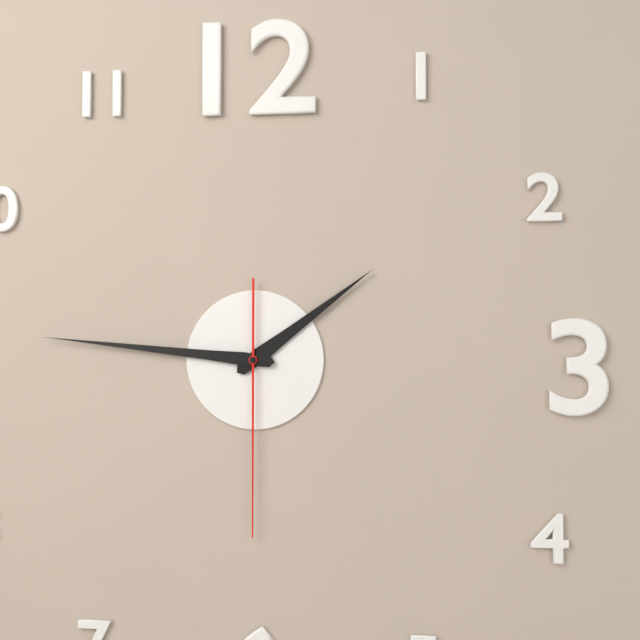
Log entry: {"hour": 1, "minute": 46, "second": 30}
